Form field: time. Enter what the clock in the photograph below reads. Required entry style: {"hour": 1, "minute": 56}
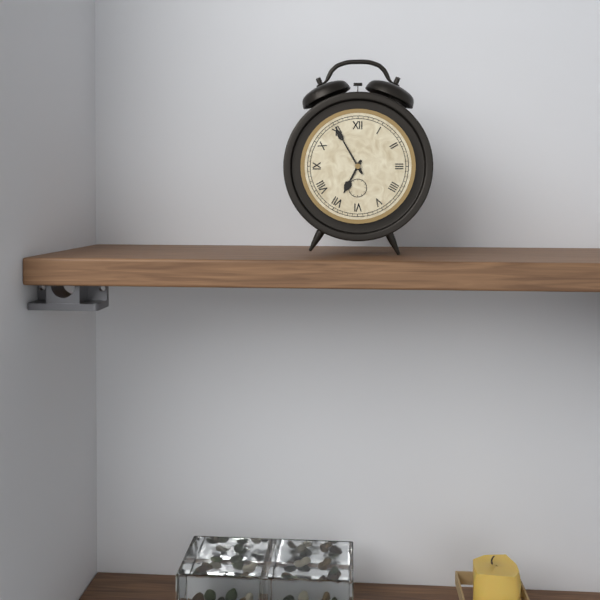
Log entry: {"hour": 6, "minute": 55}
